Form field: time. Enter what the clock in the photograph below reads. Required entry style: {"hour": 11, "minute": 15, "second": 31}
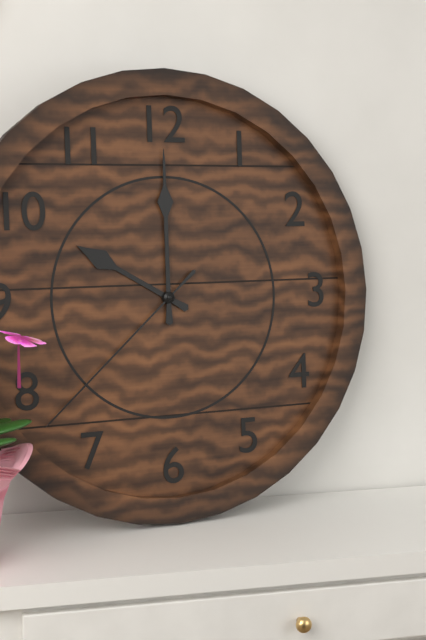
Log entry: {"hour": 10, "minute": 0, "second": 38}
